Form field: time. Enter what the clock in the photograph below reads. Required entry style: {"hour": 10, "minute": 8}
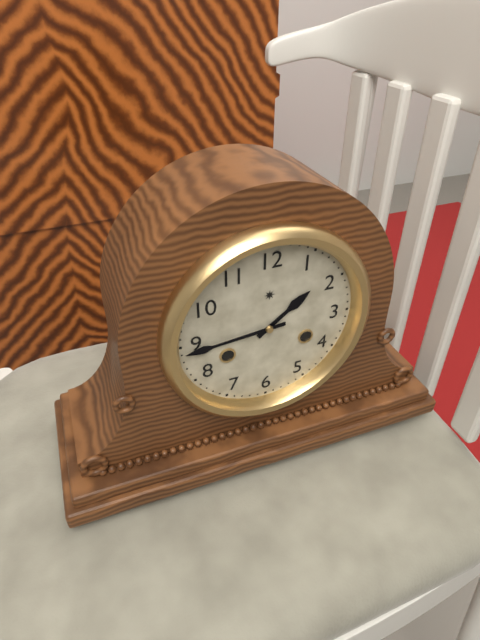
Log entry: {"hour": 1, "minute": 44}
